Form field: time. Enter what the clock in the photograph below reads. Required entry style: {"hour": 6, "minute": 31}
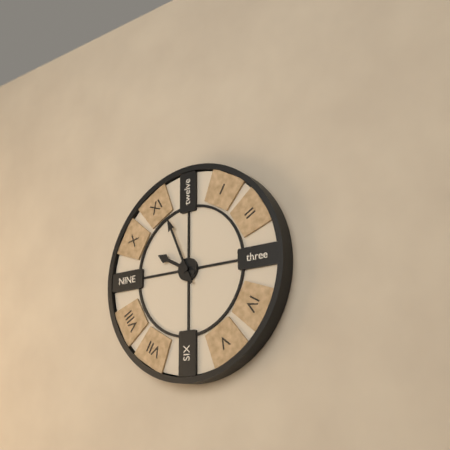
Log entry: {"hour": 9, "minute": 56}
